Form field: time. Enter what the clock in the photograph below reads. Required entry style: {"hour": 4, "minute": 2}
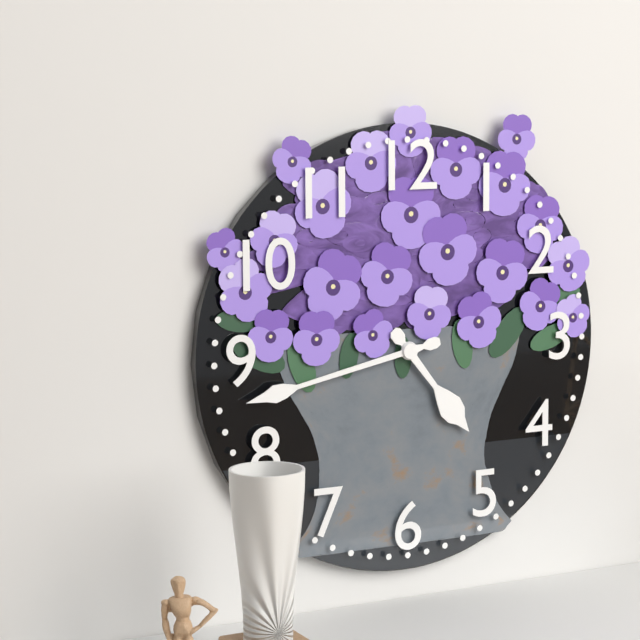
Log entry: {"hour": 4, "minute": 43}
